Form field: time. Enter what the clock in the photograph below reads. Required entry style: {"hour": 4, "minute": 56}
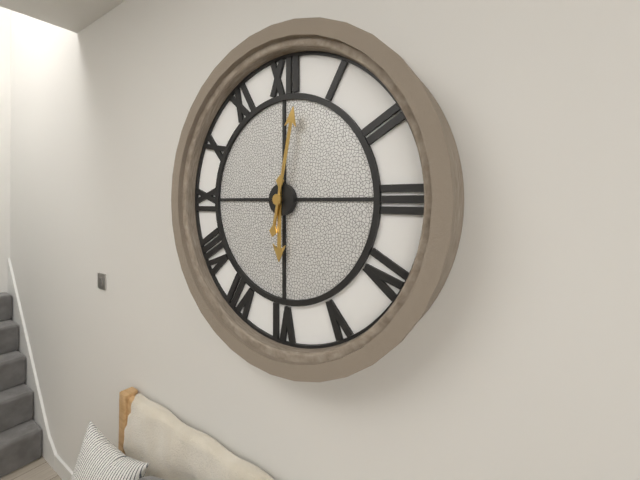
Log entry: {"hour": 6, "minute": 2}
